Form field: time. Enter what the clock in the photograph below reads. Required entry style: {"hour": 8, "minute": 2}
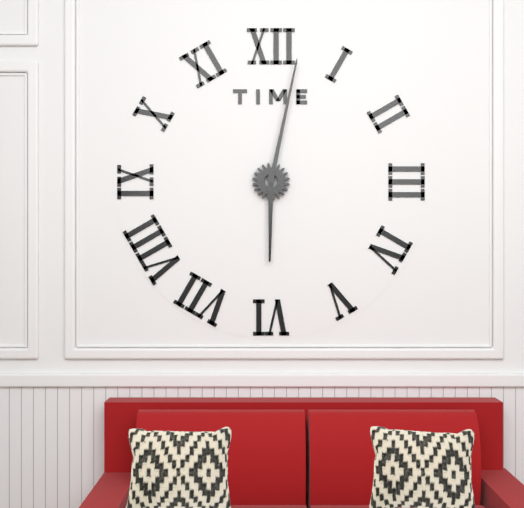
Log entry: {"hour": 6, "minute": 2}
